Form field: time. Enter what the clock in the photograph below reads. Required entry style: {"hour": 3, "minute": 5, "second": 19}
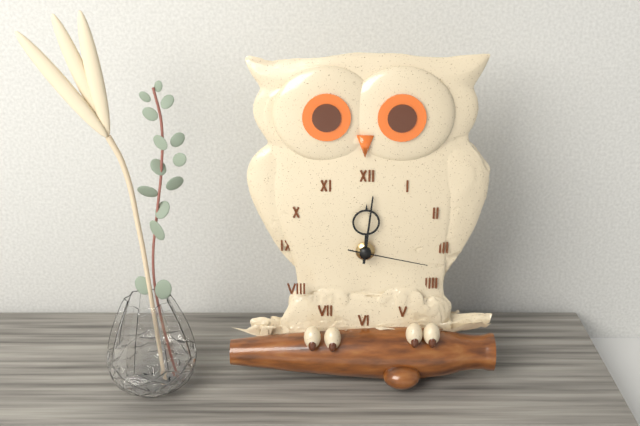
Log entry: {"hour": 12, "minute": 1, "second": 17}
